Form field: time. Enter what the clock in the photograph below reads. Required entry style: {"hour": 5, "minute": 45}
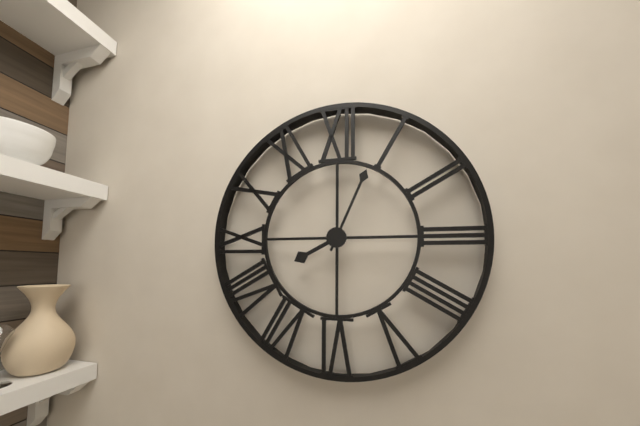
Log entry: {"hour": 8, "minute": 4}
